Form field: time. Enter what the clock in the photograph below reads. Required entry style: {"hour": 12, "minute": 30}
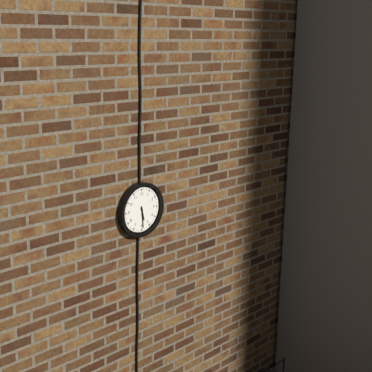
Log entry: {"hour": 5, "minute": 29}
